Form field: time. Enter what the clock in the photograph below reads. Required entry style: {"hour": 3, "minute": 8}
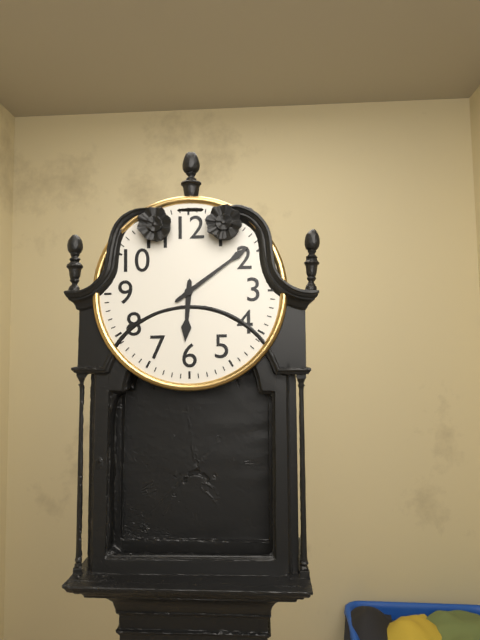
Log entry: {"hour": 6, "minute": 9}
